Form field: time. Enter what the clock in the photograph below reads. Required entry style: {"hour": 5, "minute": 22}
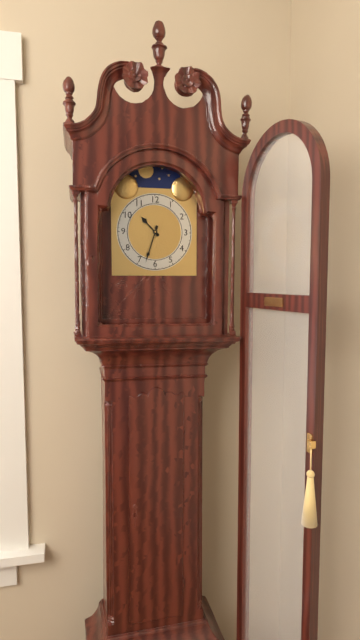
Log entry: {"hour": 10, "minute": 33}
